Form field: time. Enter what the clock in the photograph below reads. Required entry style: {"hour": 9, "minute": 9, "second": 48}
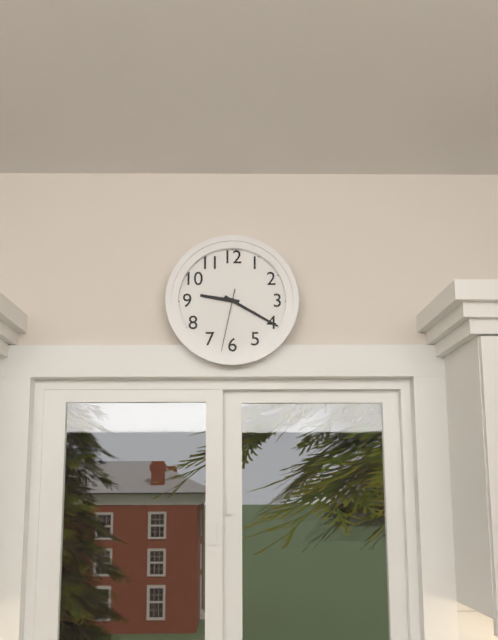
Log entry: {"hour": 9, "minute": 20, "second": 32}
